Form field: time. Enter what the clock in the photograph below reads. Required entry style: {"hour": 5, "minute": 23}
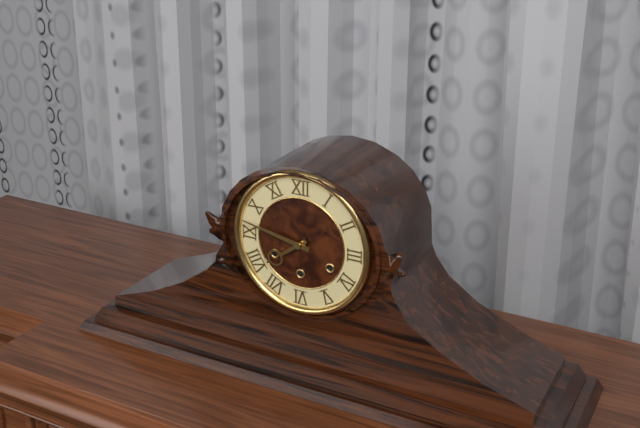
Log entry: {"hour": 7, "minute": 47}
